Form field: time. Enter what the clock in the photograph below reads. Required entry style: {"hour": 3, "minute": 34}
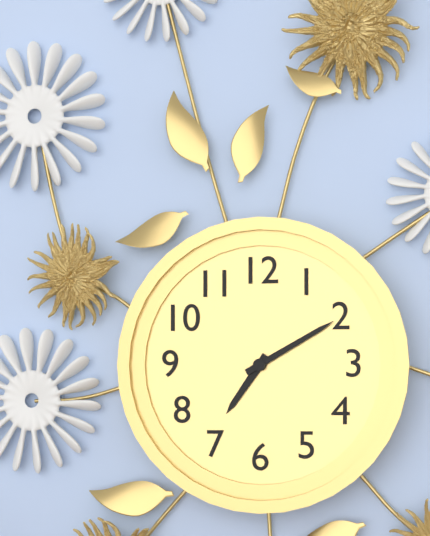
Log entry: {"hour": 7, "minute": 10}
